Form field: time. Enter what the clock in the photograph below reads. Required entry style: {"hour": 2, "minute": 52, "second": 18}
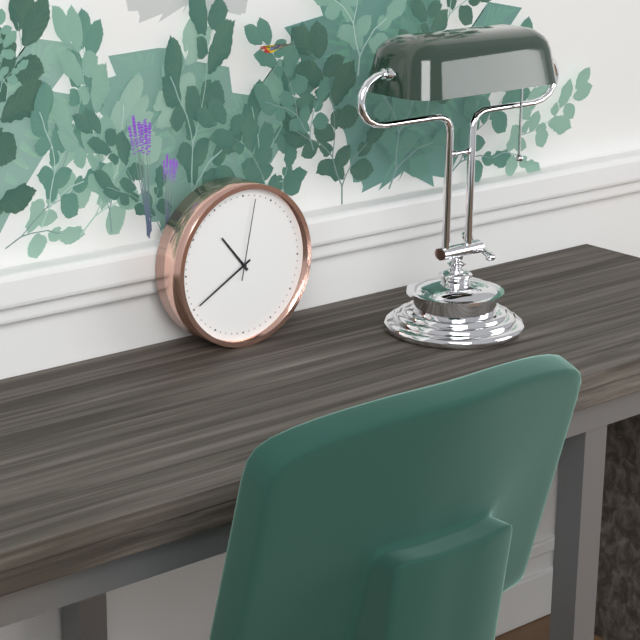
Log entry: {"hour": 10, "minute": 40, "second": 2}
